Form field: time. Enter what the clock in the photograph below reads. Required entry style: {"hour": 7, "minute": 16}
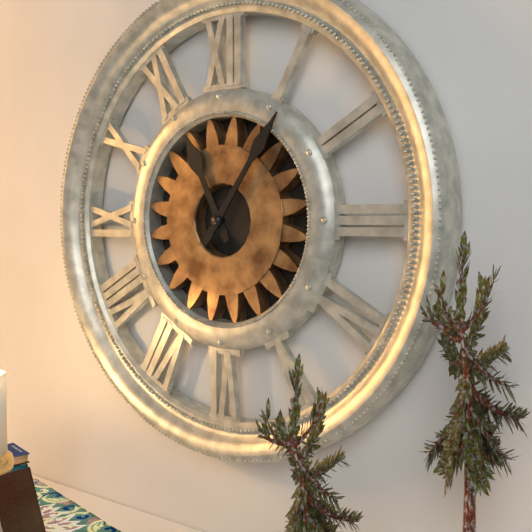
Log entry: {"hour": 11, "minute": 6}
